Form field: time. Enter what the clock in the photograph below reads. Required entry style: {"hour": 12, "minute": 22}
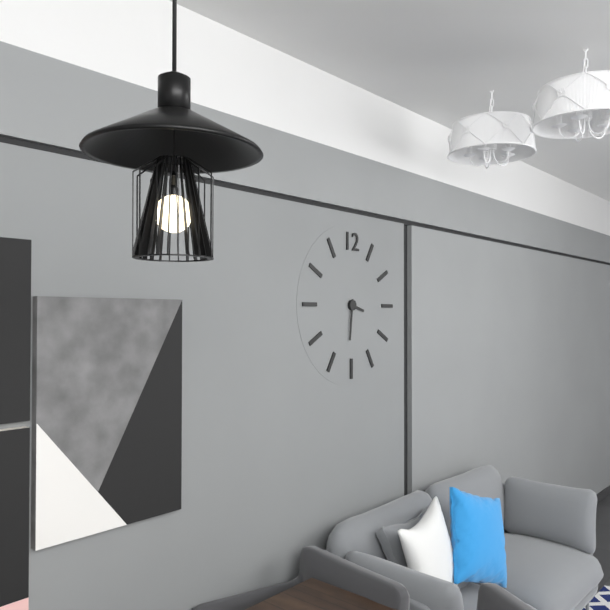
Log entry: {"hour": 3, "minute": 31}
